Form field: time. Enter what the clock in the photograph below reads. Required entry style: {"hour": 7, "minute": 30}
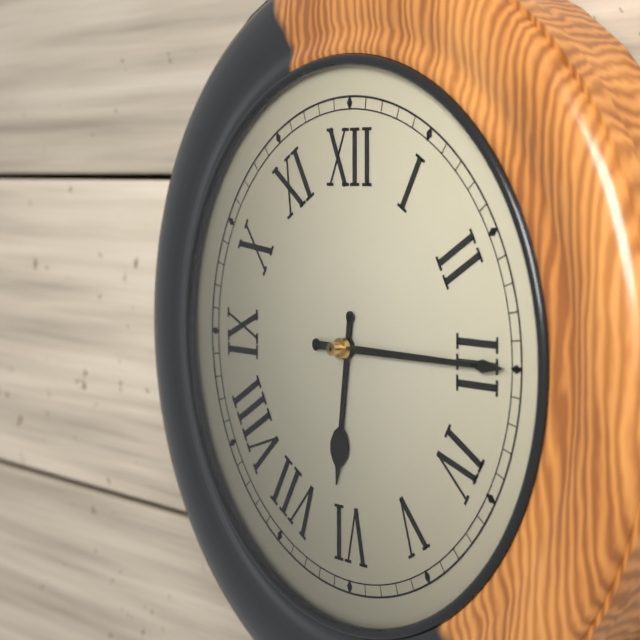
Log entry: {"hour": 6, "minute": 15}
